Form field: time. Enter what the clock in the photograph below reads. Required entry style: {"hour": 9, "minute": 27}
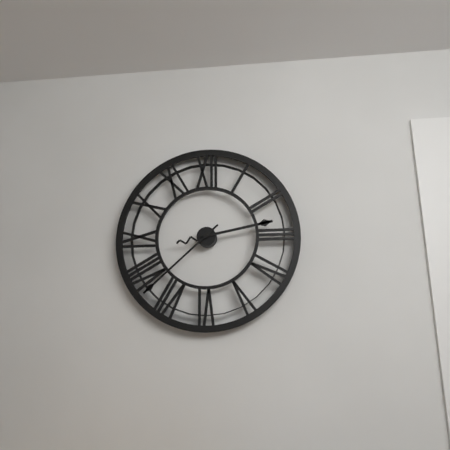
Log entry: {"hour": 2, "minute": 38}
